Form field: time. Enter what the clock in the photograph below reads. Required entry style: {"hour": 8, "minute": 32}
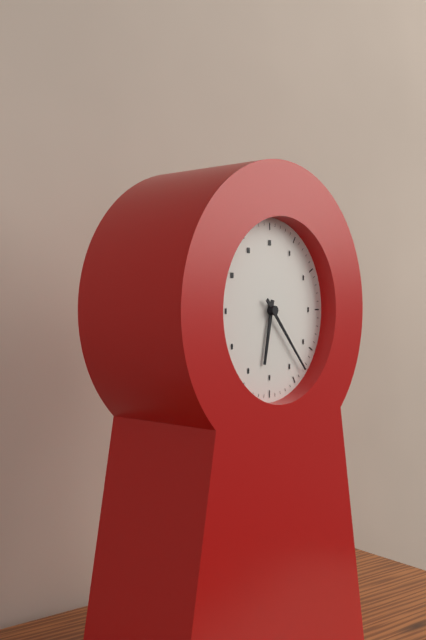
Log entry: {"hour": 6, "minute": 23}
